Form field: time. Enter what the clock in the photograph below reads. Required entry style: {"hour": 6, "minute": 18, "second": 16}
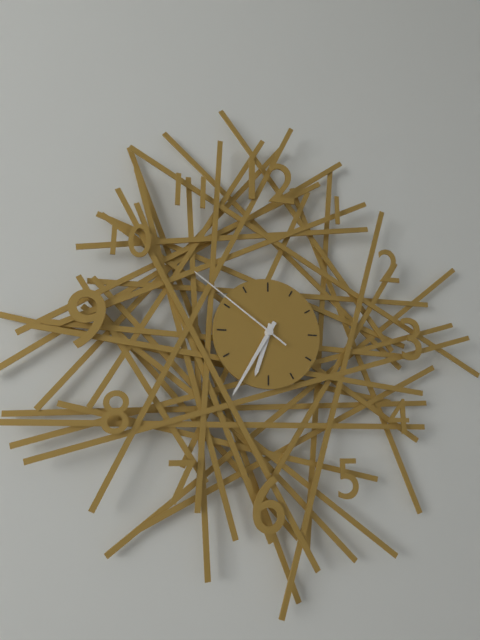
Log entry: {"hour": 6, "minute": 35, "second": 51}
